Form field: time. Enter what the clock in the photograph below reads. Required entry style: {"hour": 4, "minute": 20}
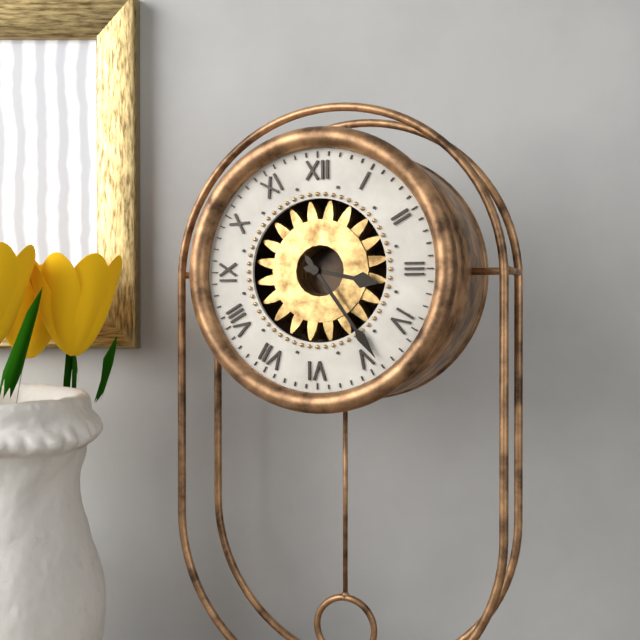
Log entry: {"hour": 3, "minute": 24}
